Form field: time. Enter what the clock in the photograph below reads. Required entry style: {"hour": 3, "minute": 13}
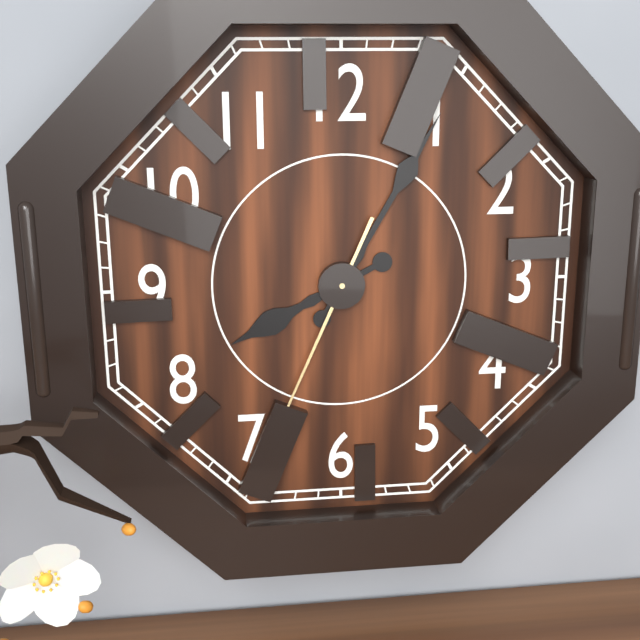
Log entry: {"hour": 8, "minute": 5}
